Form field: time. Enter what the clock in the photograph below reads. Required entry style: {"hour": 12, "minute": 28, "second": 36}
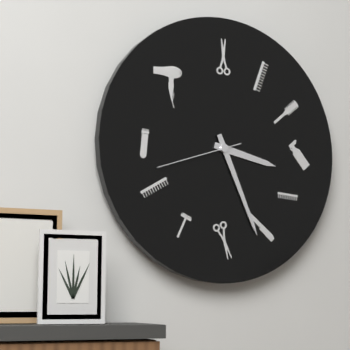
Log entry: {"hour": 3, "minute": 26, "second": 42}
